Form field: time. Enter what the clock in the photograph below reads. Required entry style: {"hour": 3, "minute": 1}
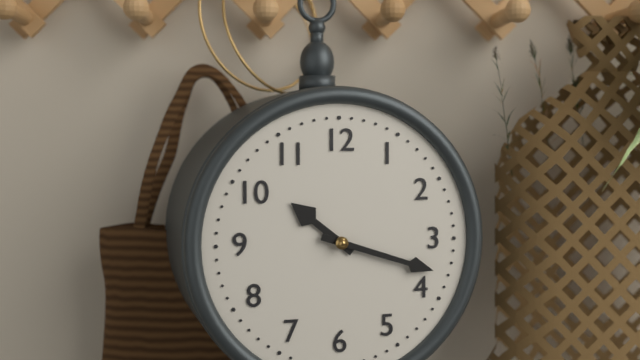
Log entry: {"hour": 10, "minute": 18}
